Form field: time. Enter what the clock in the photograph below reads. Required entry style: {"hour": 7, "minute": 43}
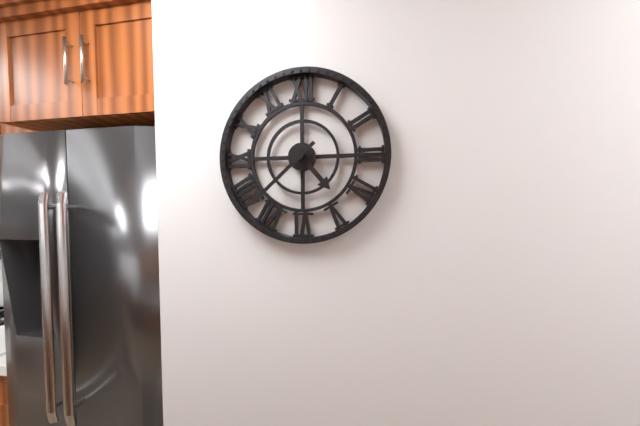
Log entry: {"hour": 4, "minute": 38}
